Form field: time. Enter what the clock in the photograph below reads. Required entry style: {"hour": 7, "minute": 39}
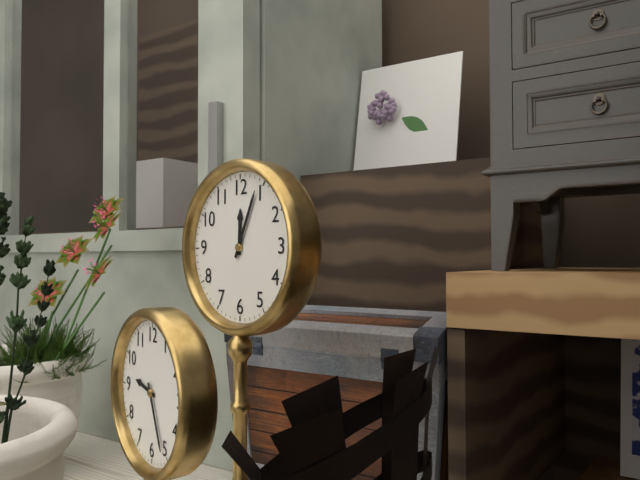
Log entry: {"hour": 12, "minute": 4}
